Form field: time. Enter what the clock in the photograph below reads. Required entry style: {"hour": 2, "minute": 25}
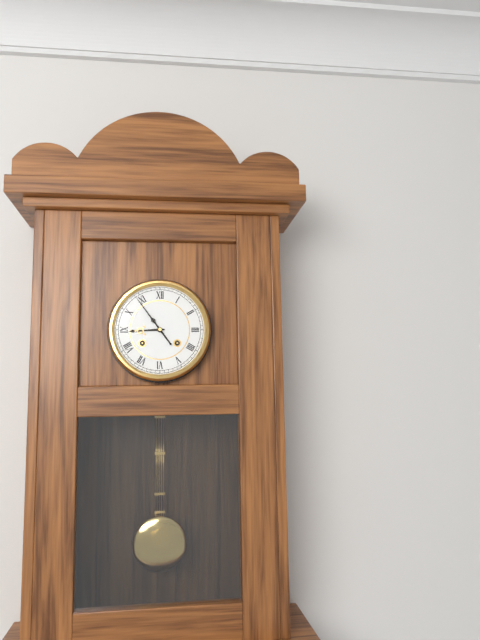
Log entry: {"hour": 8, "minute": 54}
